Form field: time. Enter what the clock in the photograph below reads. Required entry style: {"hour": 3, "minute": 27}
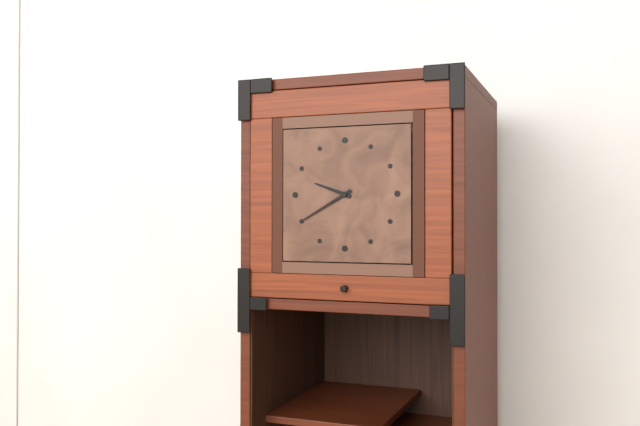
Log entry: {"hour": 9, "minute": 40}
